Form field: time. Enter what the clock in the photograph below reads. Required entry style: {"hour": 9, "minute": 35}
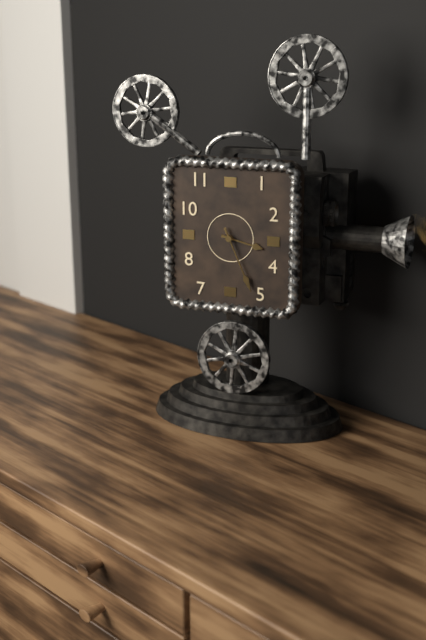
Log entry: {"hour": 3, "minute": 26}
